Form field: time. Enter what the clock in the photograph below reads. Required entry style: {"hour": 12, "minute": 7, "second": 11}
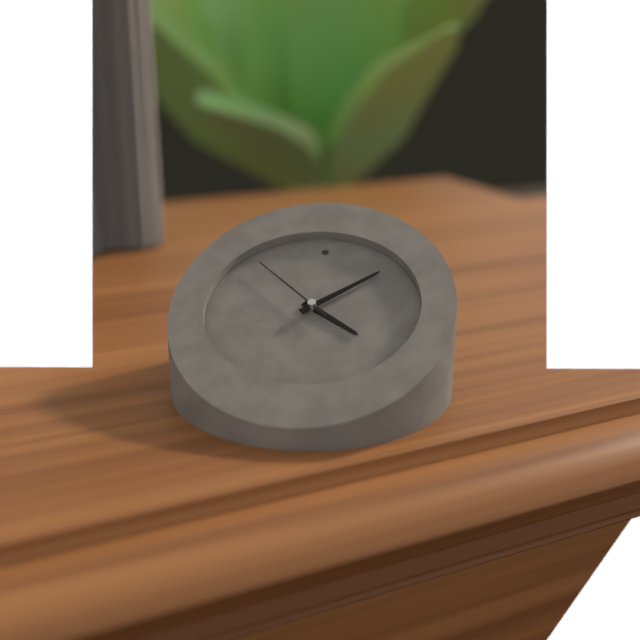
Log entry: {"hour": 4, "minute": 8, "second": 52}
